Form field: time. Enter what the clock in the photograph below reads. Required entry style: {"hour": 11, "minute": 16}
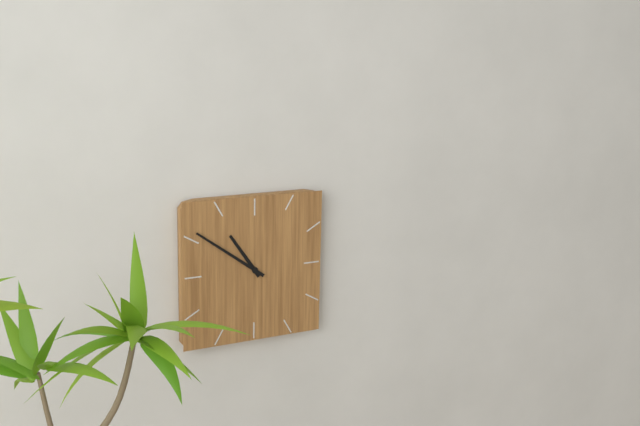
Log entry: {"hour": 10, "minute": 51}
